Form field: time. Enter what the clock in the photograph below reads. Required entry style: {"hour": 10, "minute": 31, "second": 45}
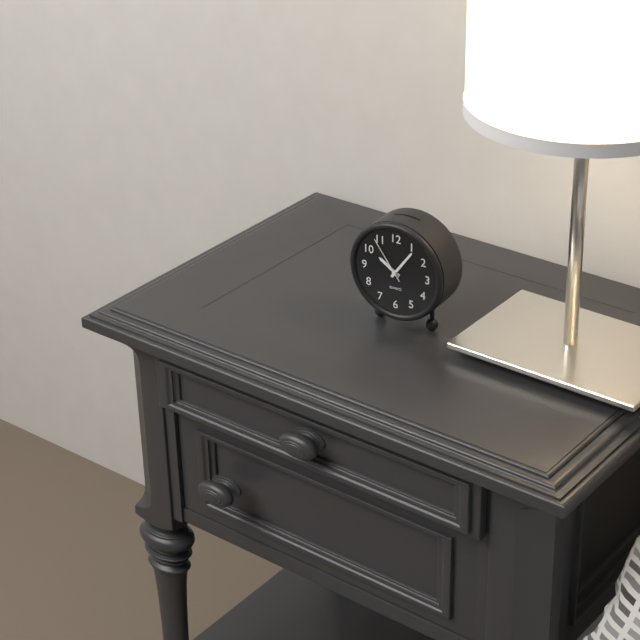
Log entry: {"hour": 10, "minute": 6, "second": 54}
